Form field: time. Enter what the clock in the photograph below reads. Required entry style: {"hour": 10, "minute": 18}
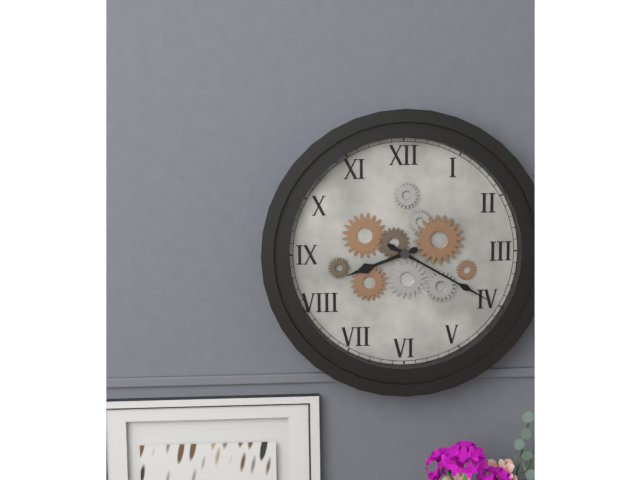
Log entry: {"hour": 8, "minute": 20}
